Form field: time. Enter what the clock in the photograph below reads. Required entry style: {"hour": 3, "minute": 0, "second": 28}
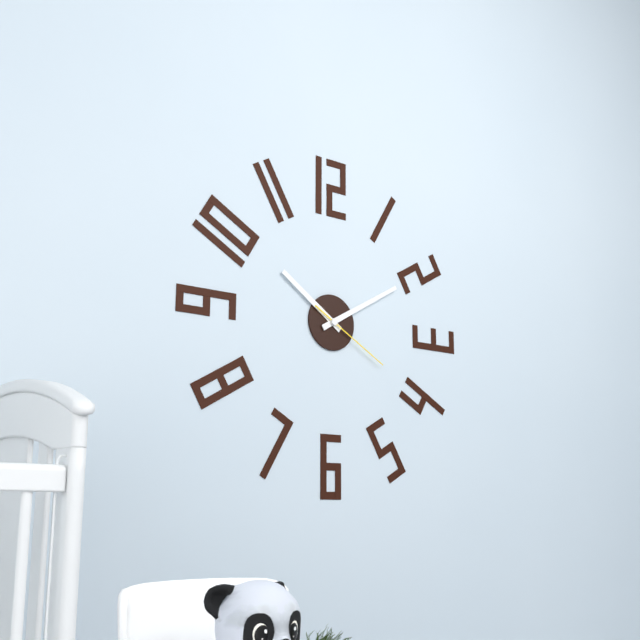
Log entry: {"hour": 10, "minute": 10, "second": 20}
